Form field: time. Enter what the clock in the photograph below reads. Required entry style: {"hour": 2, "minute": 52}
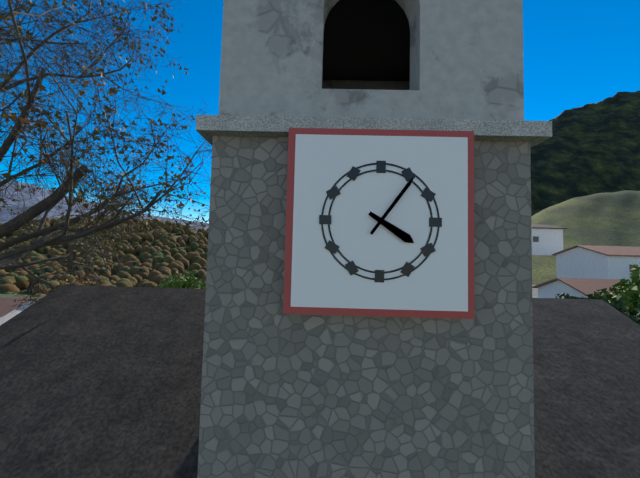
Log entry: {"hour": 4, "minute": 6}
